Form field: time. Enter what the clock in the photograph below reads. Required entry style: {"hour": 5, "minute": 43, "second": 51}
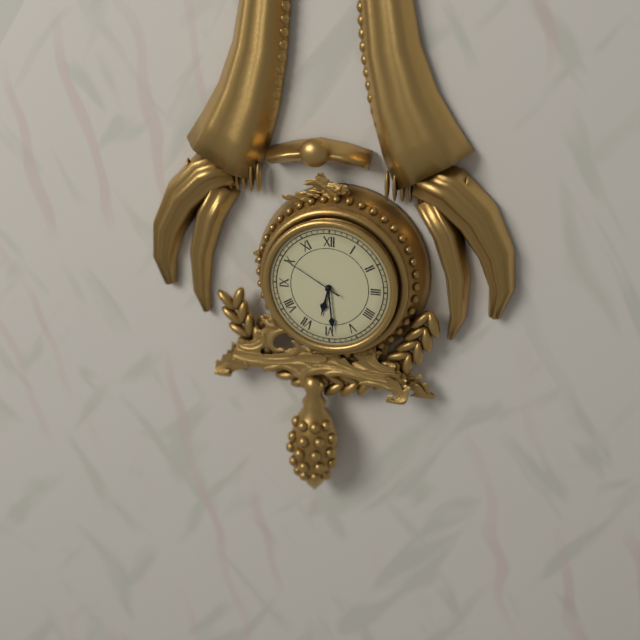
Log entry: {"hour": 6, "minute": 29, "second": 50}
